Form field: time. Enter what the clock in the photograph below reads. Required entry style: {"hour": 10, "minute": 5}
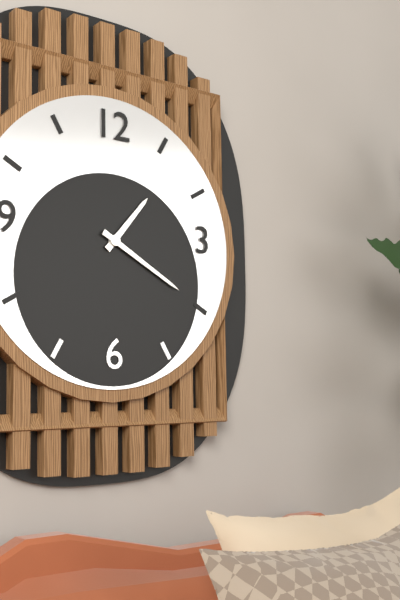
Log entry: {"hour": 1, "minute": 20}
